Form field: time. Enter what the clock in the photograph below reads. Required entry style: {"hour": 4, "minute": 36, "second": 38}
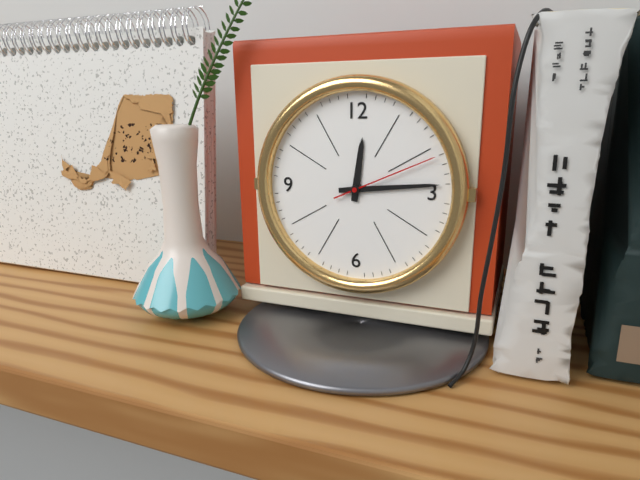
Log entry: {"hour": 12, "minute": 14, "second": 11}
